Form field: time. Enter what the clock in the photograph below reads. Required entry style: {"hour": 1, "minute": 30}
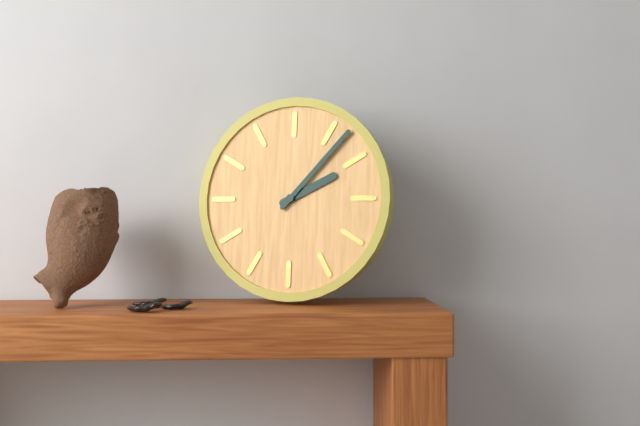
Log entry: {"hour": 2, "minute": 7}
